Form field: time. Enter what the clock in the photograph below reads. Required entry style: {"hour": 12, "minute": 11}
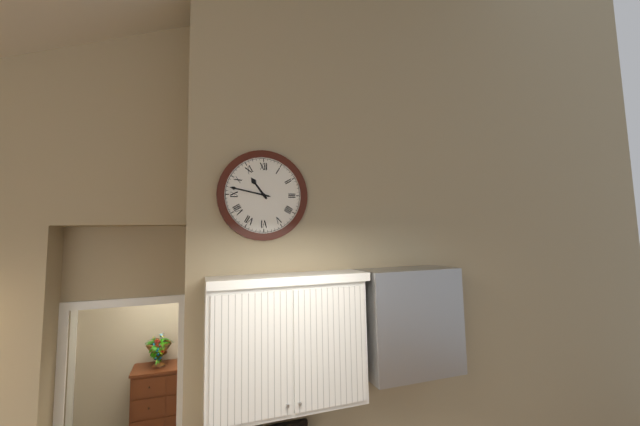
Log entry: {"hour": 10, "minute": 47}
